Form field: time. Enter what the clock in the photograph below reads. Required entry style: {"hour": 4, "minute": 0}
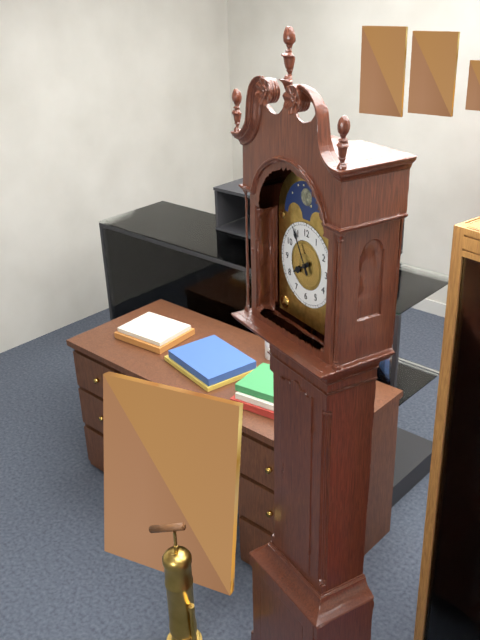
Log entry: {"hour": 7, "minute": 55}
